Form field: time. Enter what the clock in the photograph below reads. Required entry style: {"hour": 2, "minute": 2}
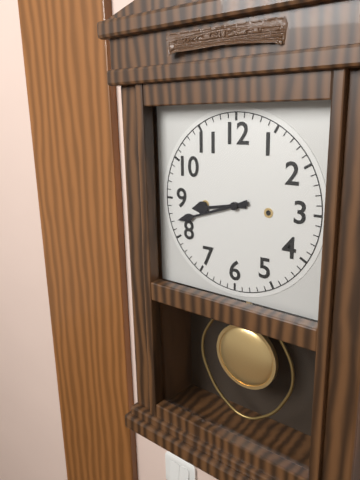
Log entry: {"hour": 8, "minute": 42}
